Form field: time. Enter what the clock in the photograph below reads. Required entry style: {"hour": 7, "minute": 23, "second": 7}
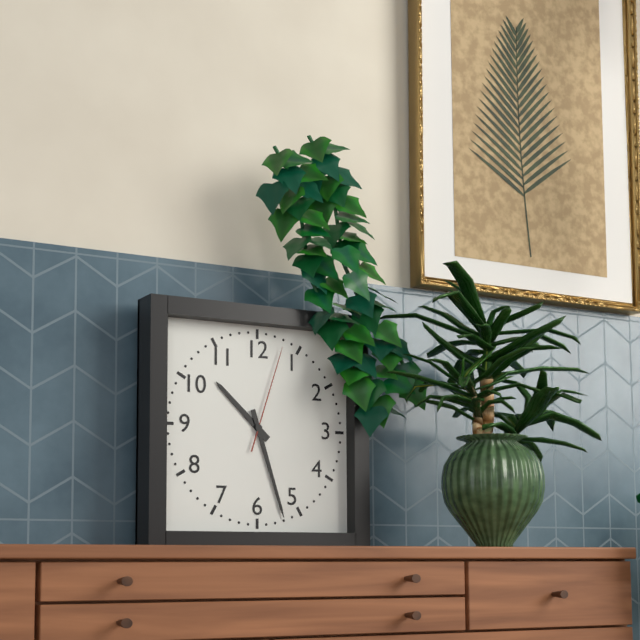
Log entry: {"hour": 10, "minute": 27, "second": 3}
